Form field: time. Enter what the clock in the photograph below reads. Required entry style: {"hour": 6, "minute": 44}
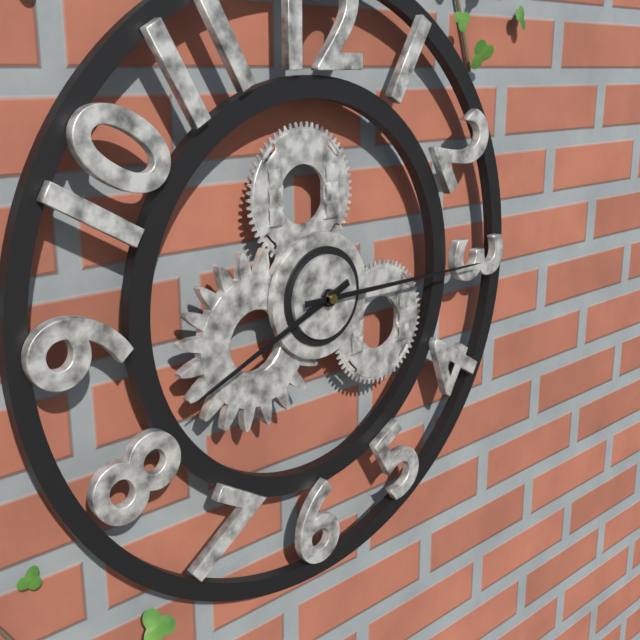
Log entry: {"hour": 8, "minute": 15}
